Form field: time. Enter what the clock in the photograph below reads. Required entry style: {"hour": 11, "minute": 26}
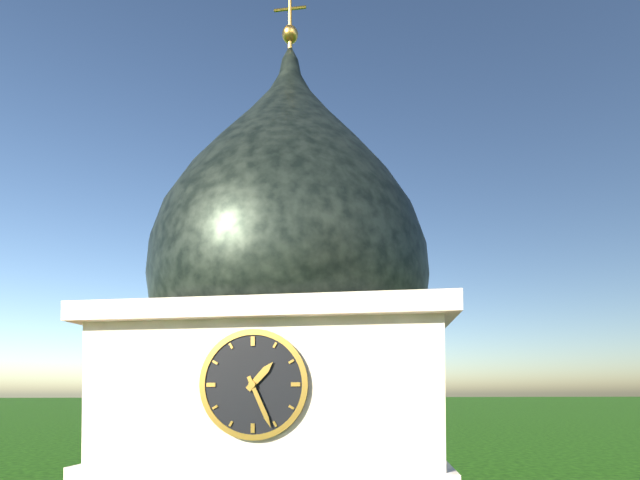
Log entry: {"hour": 1, "minute": 26}
